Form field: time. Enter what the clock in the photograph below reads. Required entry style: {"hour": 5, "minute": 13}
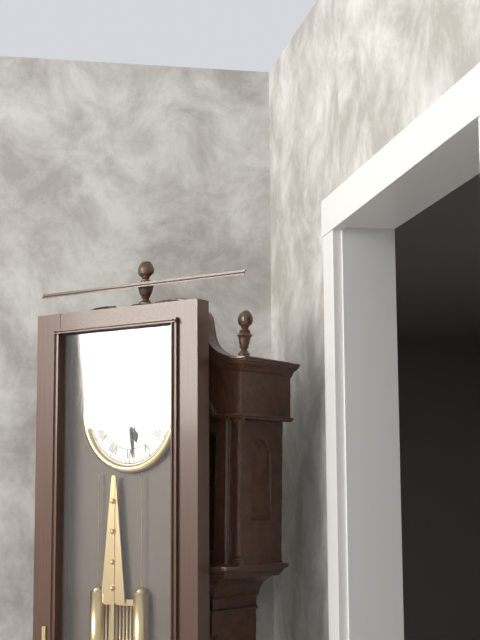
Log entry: {"hour": 5, "minute": 29}
